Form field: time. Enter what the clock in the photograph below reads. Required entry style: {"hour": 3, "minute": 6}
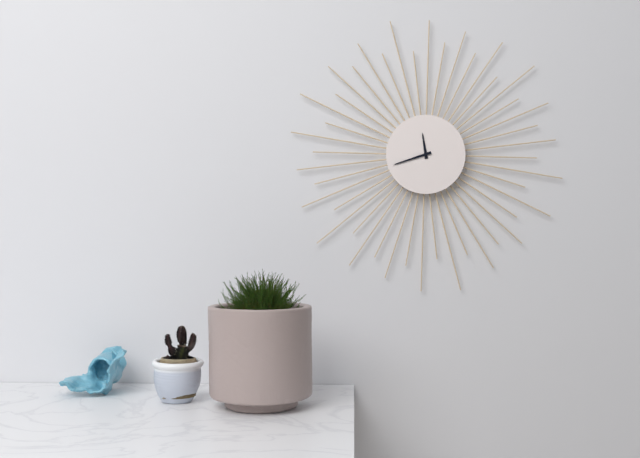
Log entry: {"hour": 11, "minute": 42}
